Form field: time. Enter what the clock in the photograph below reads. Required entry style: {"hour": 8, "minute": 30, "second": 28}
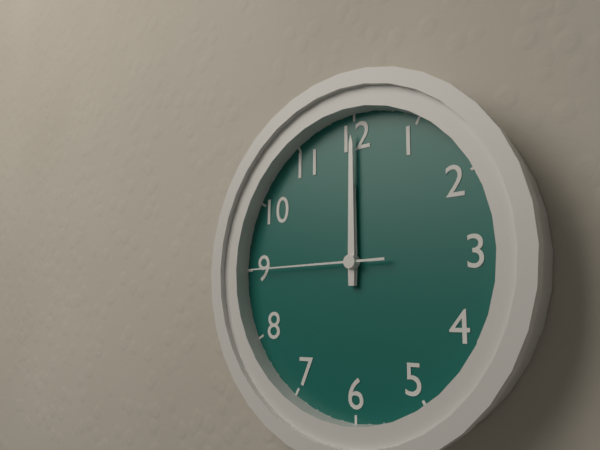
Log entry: {"hour": 12, "minute": 0, "second": 45}
